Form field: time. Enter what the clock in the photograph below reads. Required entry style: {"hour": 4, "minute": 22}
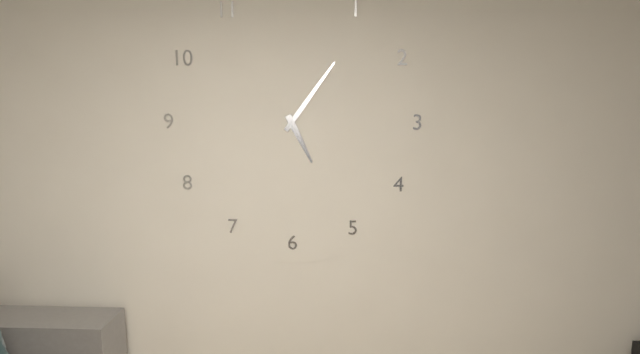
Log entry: {"hour": 5, "minute": 6}
